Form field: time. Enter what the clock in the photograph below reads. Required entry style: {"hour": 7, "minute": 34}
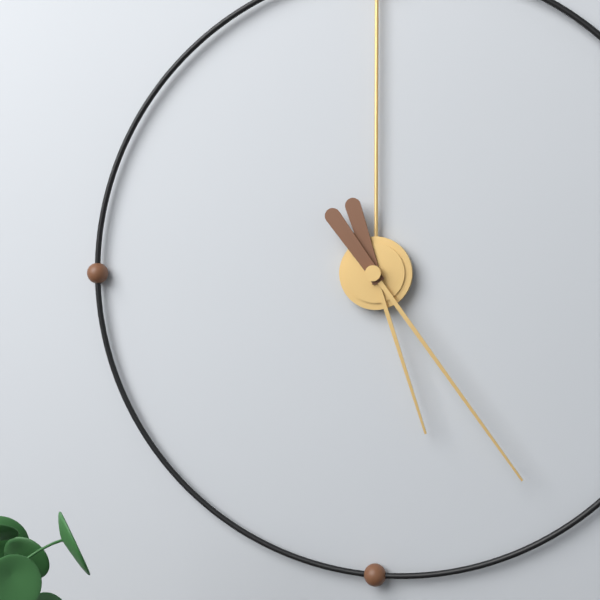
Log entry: {"hour": 5, "minute": 24}
